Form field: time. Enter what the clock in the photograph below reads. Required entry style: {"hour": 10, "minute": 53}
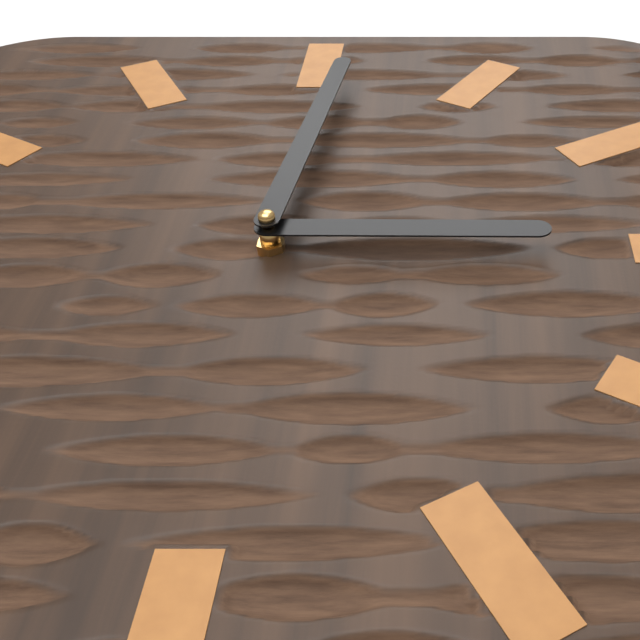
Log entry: {"hour": 3, "minute": 1}
